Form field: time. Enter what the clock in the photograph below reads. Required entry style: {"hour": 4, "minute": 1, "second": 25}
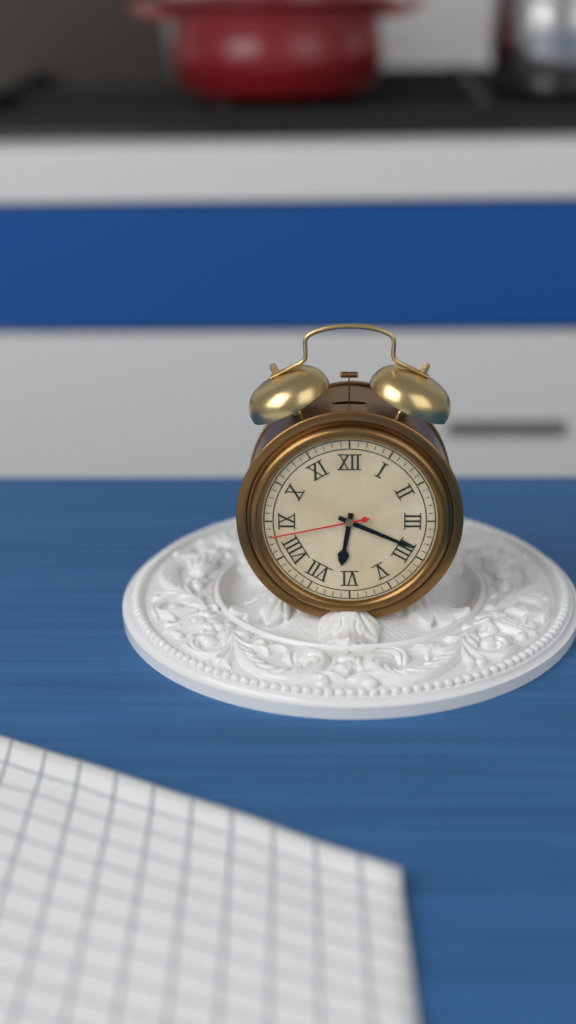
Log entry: {"hour": 6, "minute": 19, "second": 43}
